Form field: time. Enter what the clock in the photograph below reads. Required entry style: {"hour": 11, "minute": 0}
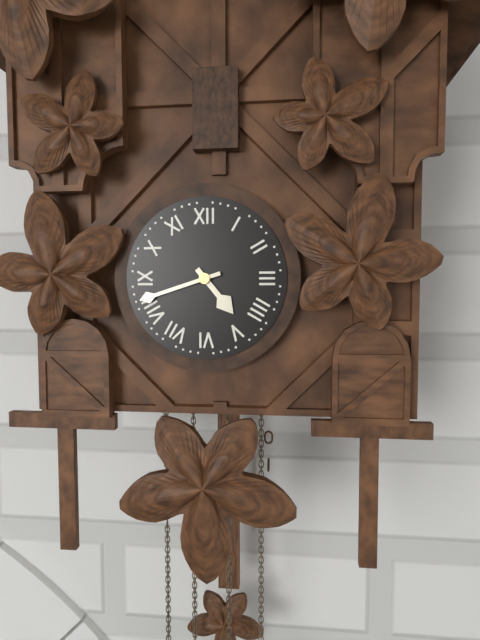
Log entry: {"hour": 4, "minute": 42}
